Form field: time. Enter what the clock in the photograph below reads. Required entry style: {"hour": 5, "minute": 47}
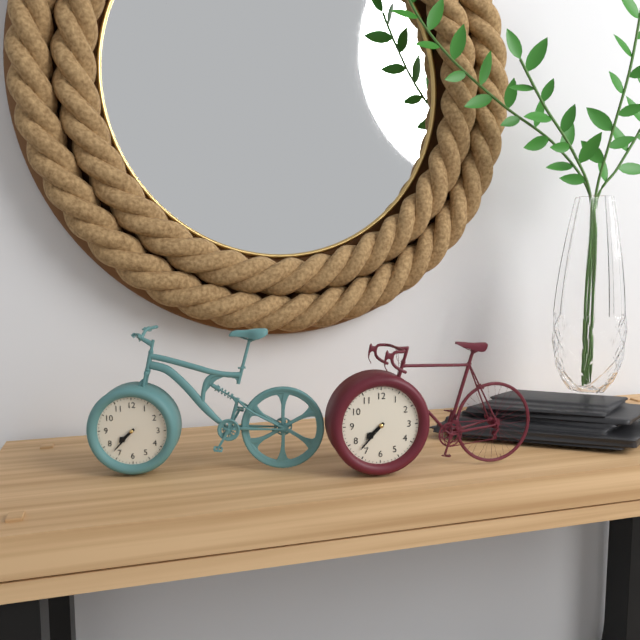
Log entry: {"hour": 7, "minute": 37}
